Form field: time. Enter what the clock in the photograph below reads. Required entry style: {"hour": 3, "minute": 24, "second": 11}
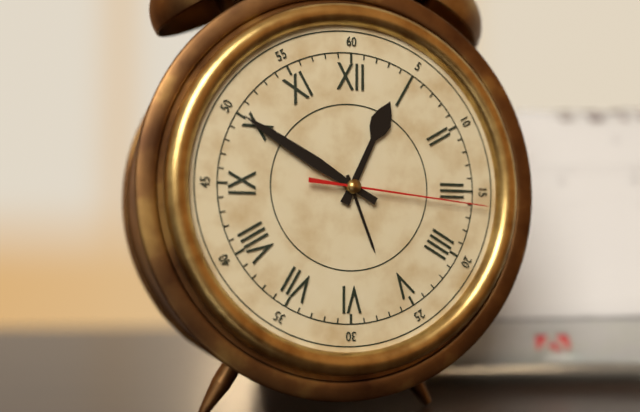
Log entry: {"hour": 12, "minute": 50, "second": 16}
